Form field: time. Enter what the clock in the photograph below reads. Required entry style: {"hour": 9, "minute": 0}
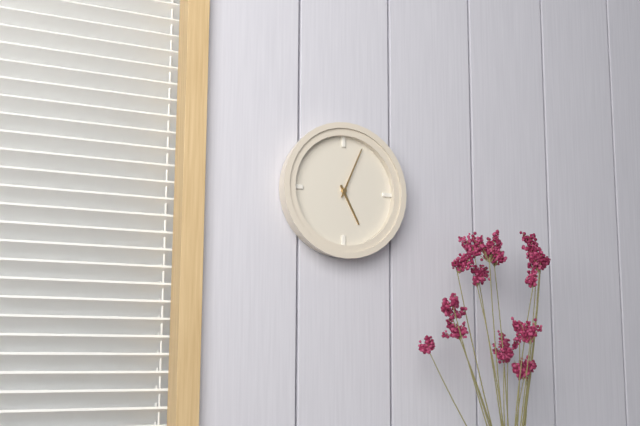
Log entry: {"hour": 5, "minute": 4}
